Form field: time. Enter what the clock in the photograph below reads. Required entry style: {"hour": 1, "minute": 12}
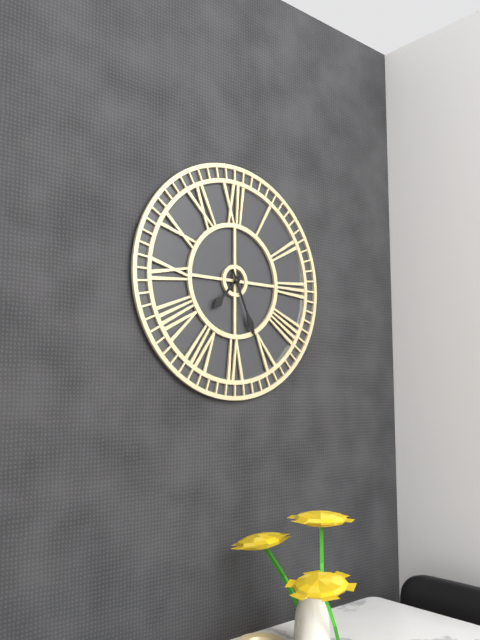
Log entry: {"hour": 7, "minute": 26}
